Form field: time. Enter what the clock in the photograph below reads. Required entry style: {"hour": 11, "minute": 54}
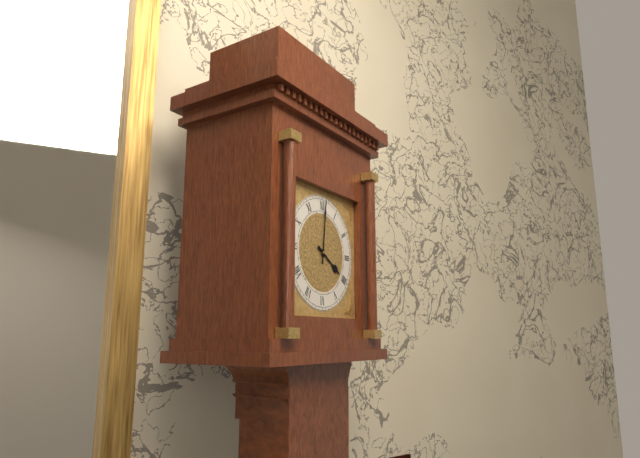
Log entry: {"hour": 4, "minute": 1}
